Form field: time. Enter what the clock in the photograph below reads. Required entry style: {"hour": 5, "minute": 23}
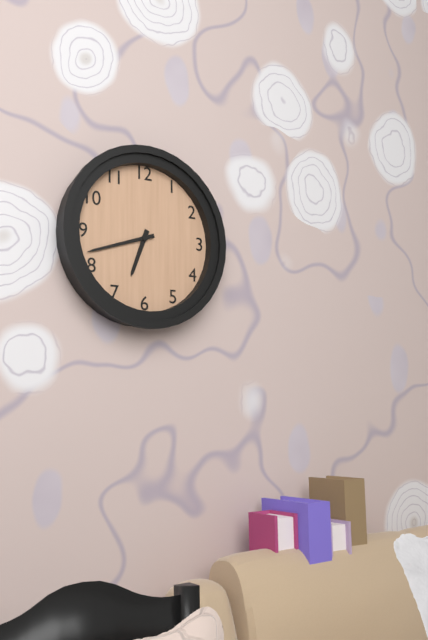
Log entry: {"hour": 6, "minute": 42}
